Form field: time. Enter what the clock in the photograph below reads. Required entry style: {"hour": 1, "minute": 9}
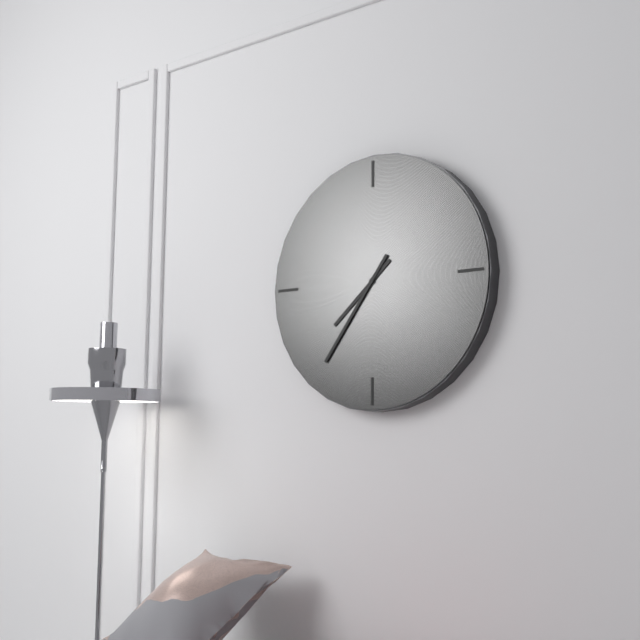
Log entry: {"hour": 7, "minute": 36}
